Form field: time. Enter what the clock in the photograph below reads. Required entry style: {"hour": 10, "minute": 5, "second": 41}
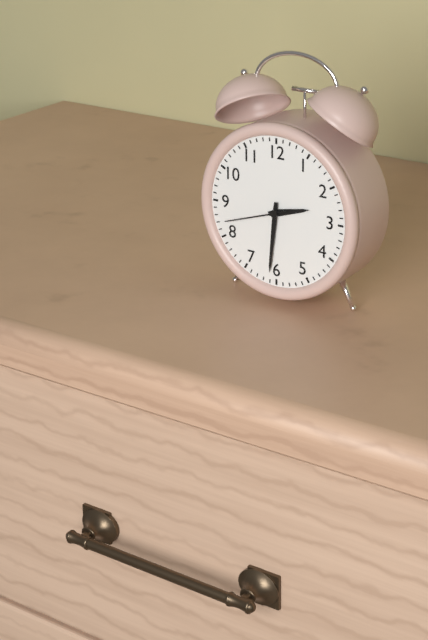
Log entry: {"hour": 2, "minute": 31, "second": 42}
